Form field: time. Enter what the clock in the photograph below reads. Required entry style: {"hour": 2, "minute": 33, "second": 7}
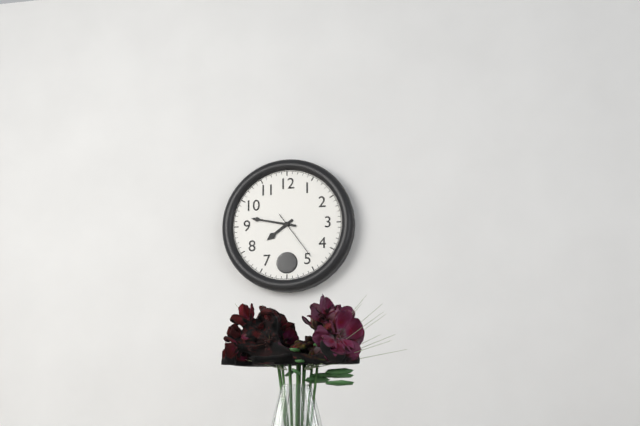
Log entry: {"hour": 7, "minute": 47, "second": 24}
